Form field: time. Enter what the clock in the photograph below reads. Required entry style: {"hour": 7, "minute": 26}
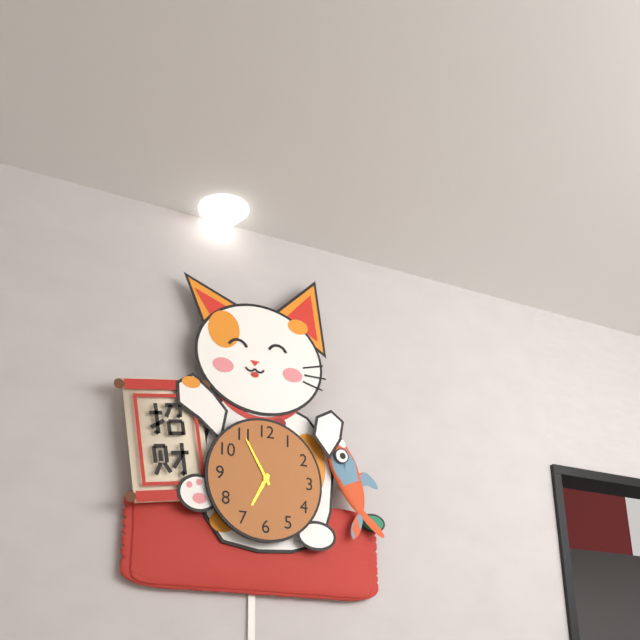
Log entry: {"hour": 6, "minute": 55}
